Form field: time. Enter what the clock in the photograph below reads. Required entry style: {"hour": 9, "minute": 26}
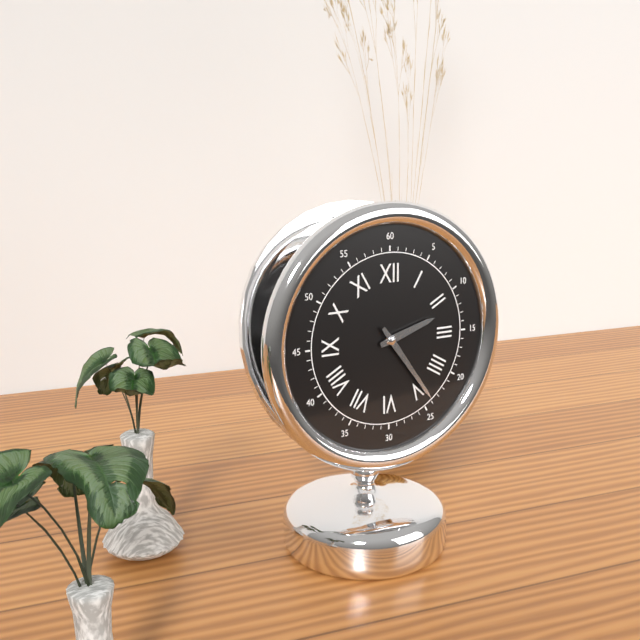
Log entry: {"hour": 2, "minute": 24}
